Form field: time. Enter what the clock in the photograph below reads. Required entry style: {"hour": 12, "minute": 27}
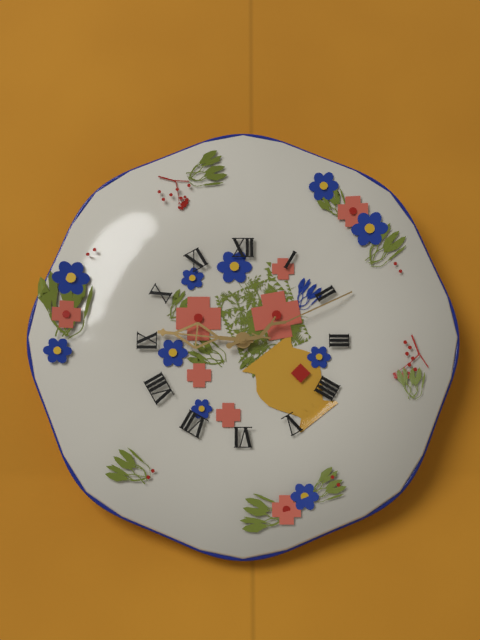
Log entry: {"hour": 9, "minute": 11}
